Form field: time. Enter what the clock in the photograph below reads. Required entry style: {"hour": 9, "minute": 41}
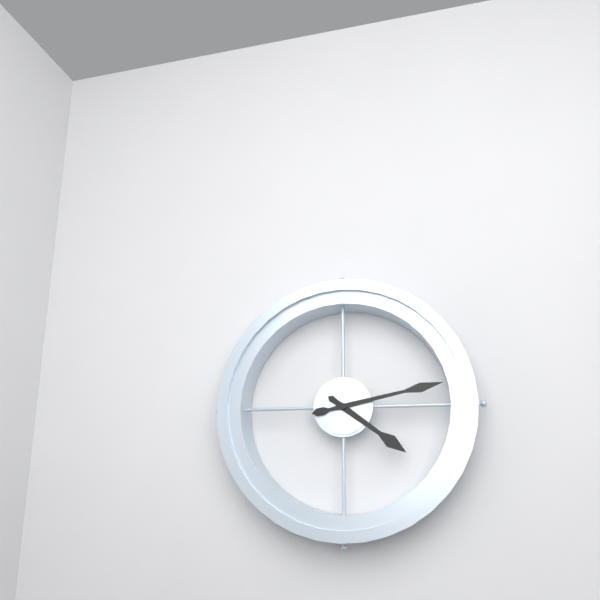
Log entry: {"hour": 4, "minute": 13}
